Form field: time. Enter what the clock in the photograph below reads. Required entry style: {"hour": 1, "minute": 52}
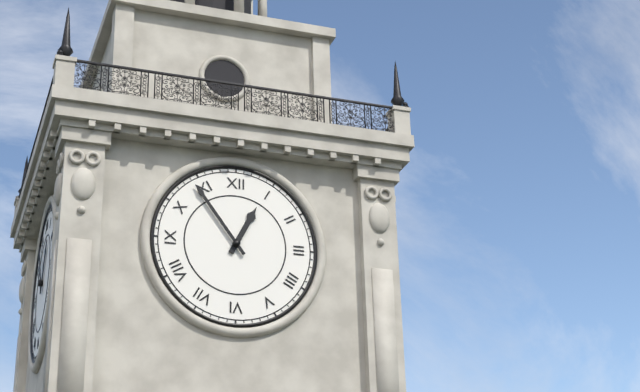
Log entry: {"hour": 12, "minute": 54}
